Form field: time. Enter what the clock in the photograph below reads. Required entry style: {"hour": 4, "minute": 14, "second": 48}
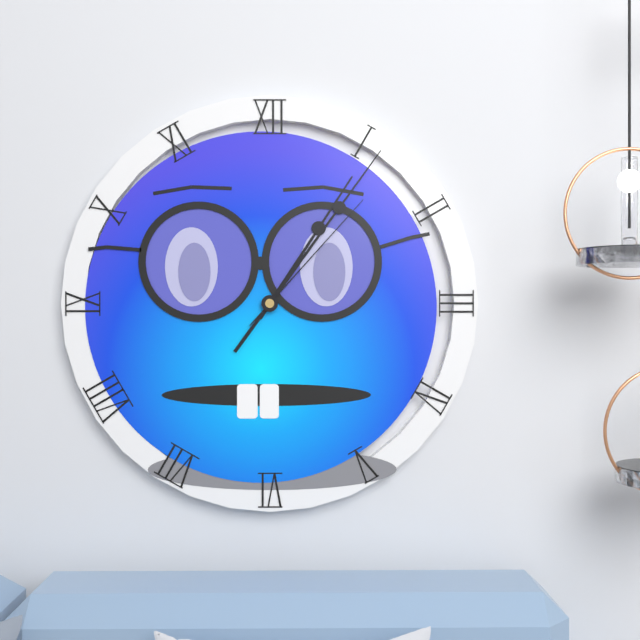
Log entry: {"hour": 1, "minute": 6, "second": 7}
